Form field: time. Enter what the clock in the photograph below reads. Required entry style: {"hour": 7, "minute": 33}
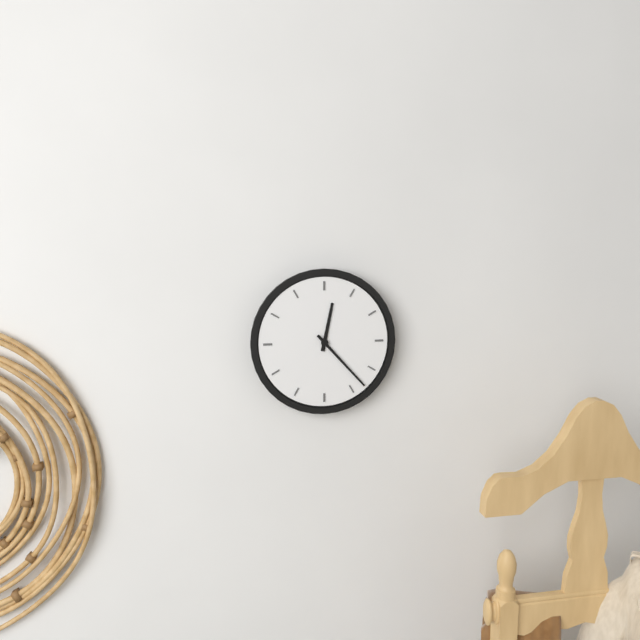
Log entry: {"hour": 12, "minute": 23}
